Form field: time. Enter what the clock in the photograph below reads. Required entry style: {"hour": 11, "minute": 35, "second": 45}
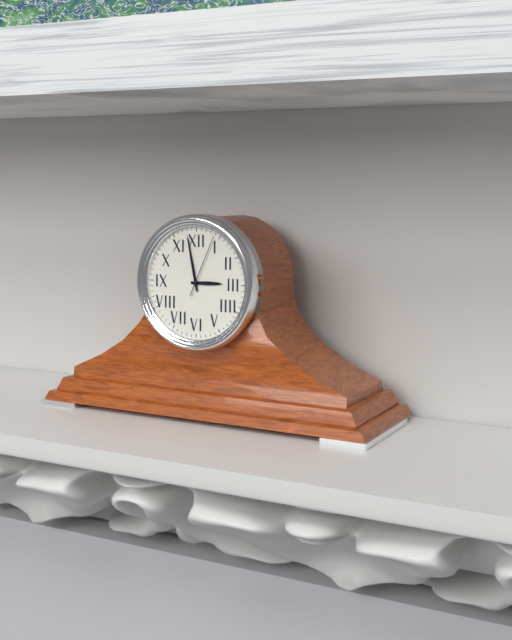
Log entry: {"hour": 2, "minute": 58, "second": 4}
